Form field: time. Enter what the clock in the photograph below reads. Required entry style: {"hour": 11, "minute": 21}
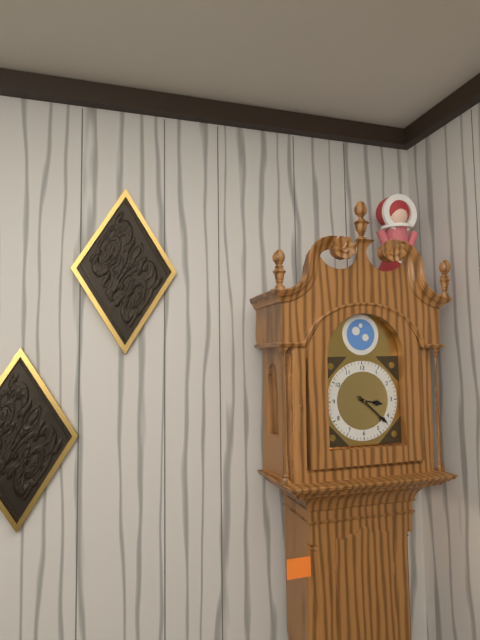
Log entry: {"hour": 3, "minute": 22}
